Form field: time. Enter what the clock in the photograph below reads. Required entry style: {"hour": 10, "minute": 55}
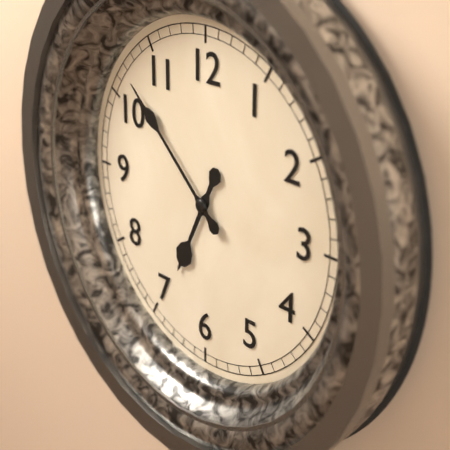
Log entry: {"hour": 6, "minute": 52}
